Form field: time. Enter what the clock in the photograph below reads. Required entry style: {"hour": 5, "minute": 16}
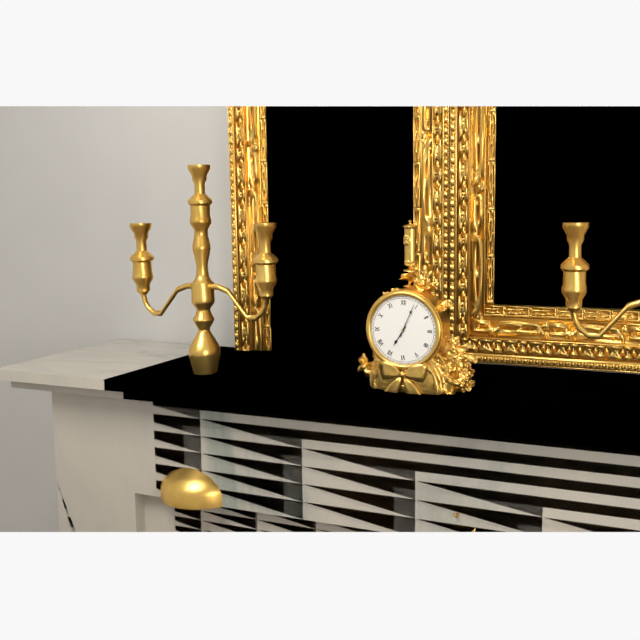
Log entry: {"hour": 7, "minute": 4}
